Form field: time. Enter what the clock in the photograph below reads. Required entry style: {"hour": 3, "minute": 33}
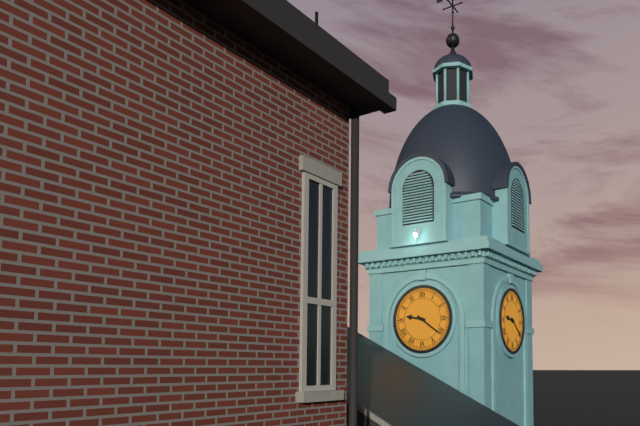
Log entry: {"hour": 9, "minute": 21}
